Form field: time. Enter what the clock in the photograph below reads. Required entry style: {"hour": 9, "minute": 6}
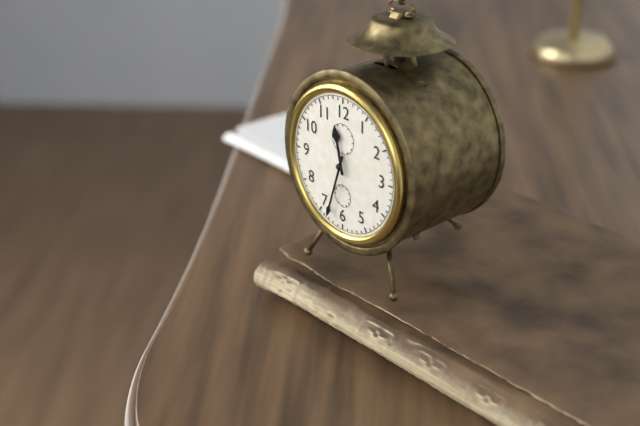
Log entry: {"hour": 11, "minute": 33}
